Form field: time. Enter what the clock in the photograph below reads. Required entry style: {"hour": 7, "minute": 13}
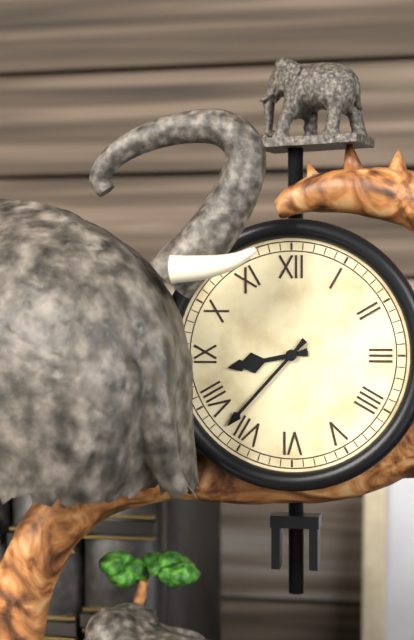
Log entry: {"hour": 8, "minute": 37}
